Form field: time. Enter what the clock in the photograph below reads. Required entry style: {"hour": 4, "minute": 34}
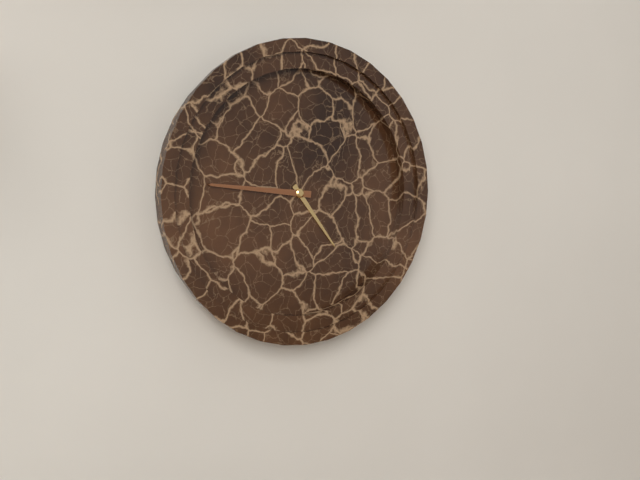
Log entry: {"hour": 4, "minute": 46}
